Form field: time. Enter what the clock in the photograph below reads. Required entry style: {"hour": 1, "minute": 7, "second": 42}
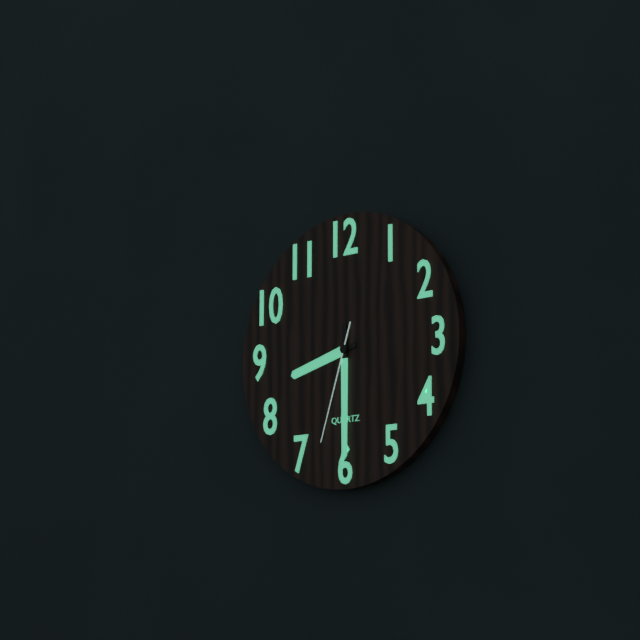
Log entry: {"hour": 8, "minute": 30, "second": 33}
